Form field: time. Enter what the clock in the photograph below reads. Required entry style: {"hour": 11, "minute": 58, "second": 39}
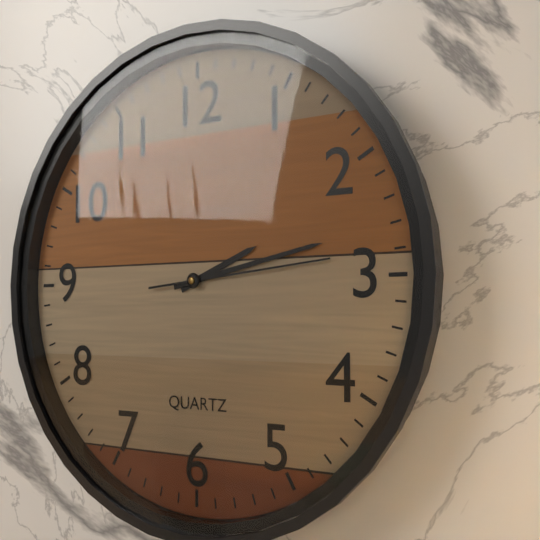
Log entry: {"hour": 2, "minute": 13, "second": 14}
